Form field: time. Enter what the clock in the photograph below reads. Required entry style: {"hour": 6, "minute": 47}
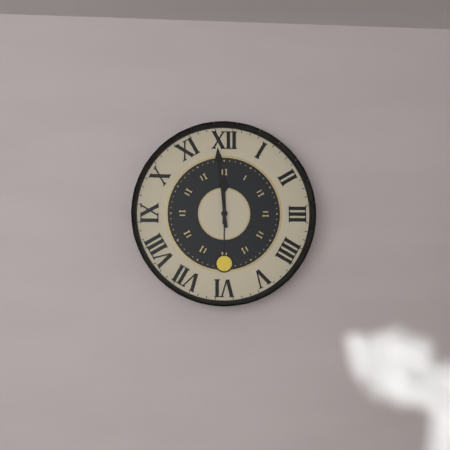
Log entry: {"hour": 11, "minute": 59}
